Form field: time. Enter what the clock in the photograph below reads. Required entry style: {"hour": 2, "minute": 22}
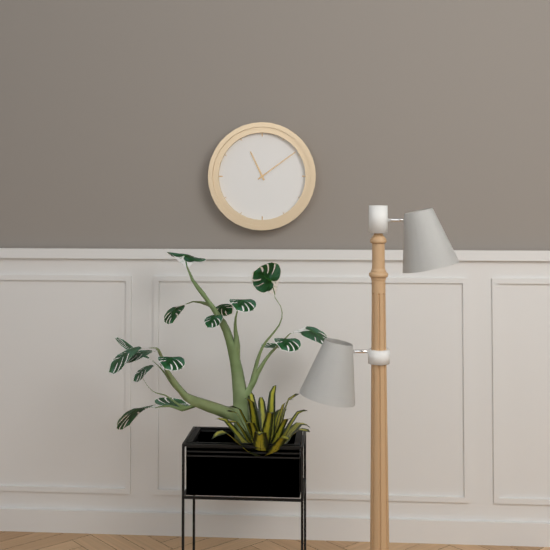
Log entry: {"hour": 11, "minute": 9}
